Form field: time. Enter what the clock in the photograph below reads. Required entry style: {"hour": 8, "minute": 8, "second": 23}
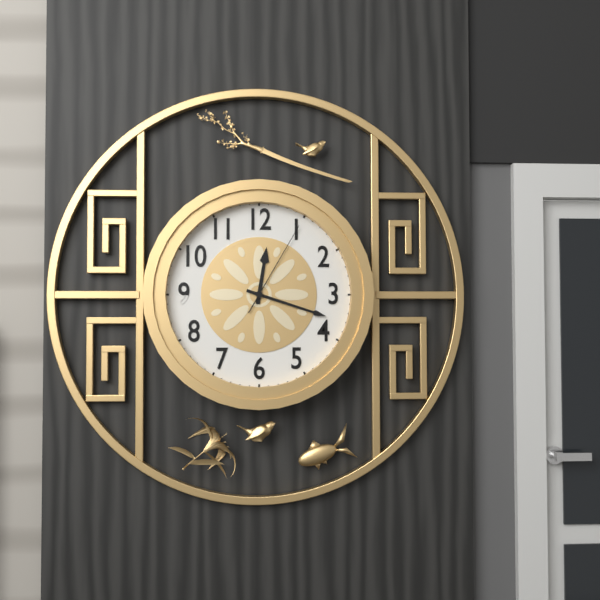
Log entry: {"hour": 12, "minute": 18, "second": 5}
